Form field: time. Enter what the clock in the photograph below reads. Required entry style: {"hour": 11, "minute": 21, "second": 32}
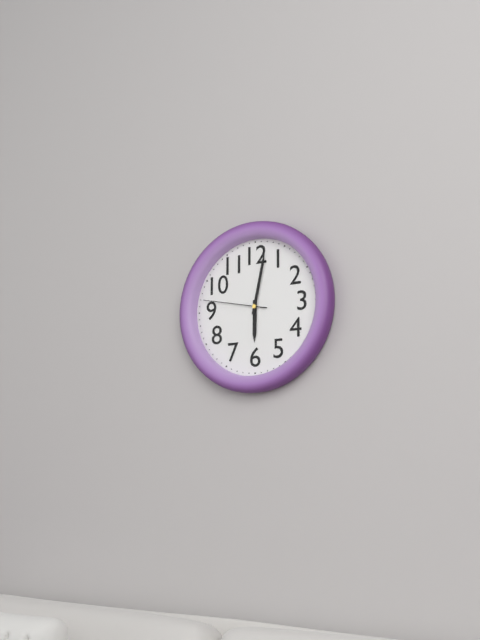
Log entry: {"hour": 6, "minute": 2, "second": 47}
